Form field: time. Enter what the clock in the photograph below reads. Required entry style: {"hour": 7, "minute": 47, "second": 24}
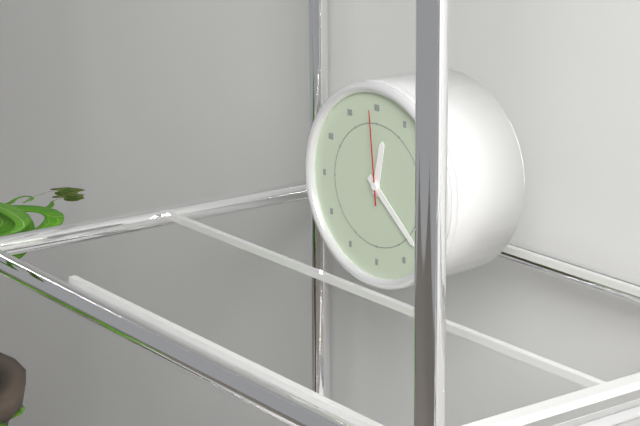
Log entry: {"hour": 12, "minute": 22, "second": 59}
